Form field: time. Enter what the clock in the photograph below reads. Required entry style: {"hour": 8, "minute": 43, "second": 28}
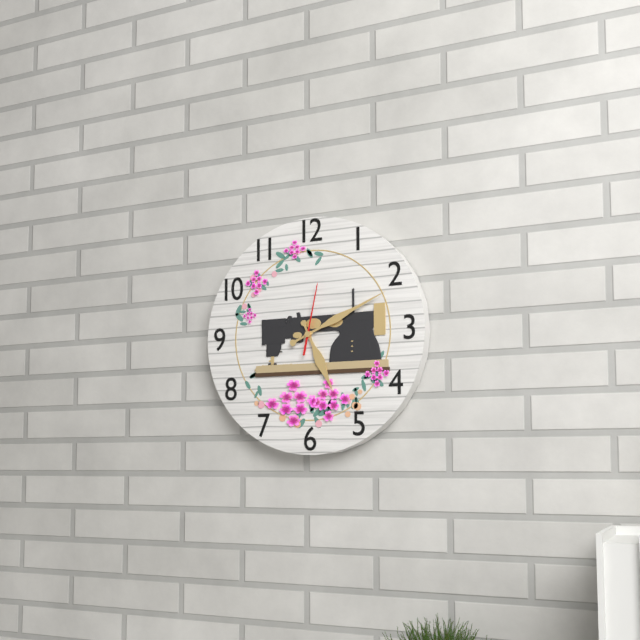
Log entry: {"hour": 5, "minute": 11, "second": 2}
